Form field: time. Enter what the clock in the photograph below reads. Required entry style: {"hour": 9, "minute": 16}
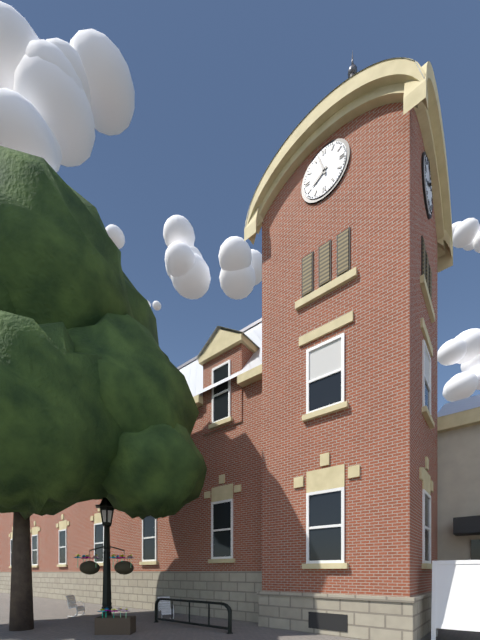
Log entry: {"hour": 7, "minute": 57}
